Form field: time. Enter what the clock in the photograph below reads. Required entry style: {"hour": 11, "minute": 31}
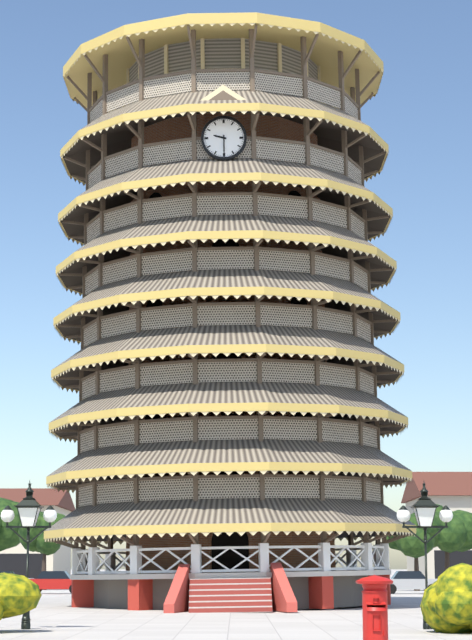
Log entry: {"hour": 9, "minute": 30}
